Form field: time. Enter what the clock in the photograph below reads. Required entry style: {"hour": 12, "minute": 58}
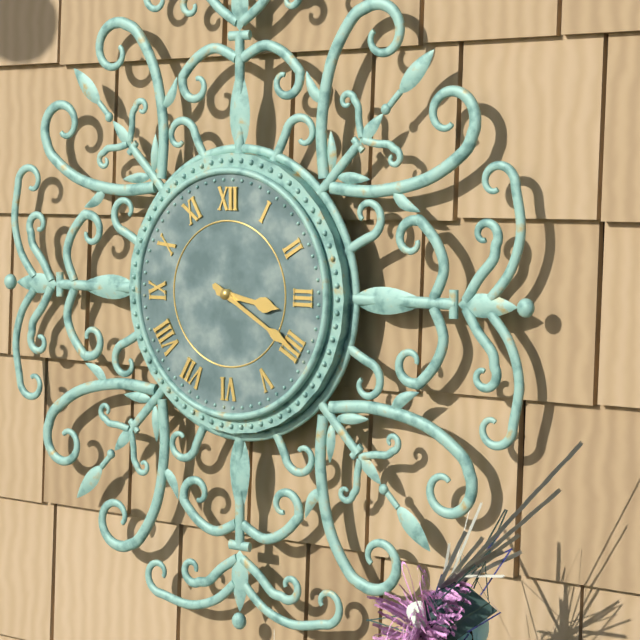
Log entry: {"hour": 3, "minute": 20}
